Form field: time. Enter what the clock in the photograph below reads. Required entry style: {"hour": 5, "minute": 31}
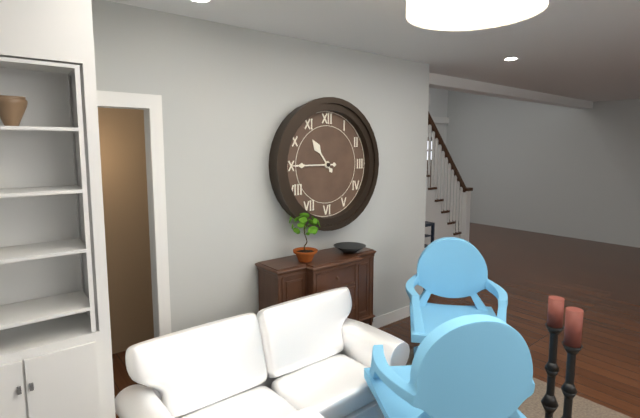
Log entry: {"hour": 10, "minute": 45}
